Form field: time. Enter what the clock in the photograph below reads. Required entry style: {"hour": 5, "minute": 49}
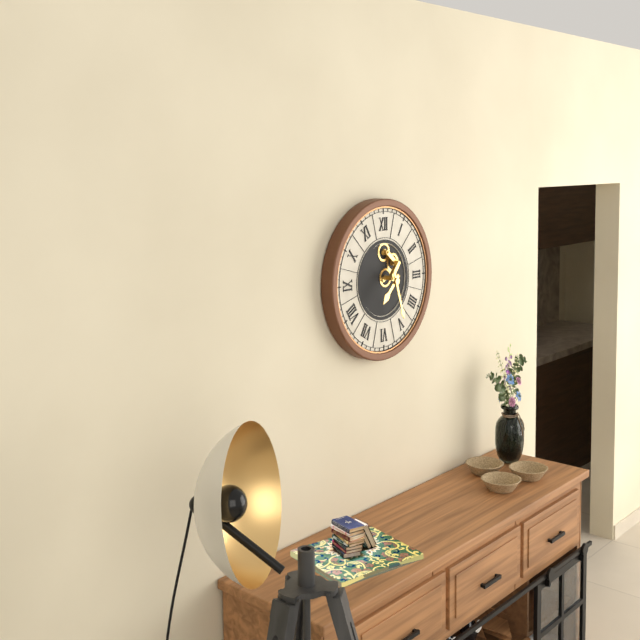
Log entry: {"hour": 7, "minute": 27}
